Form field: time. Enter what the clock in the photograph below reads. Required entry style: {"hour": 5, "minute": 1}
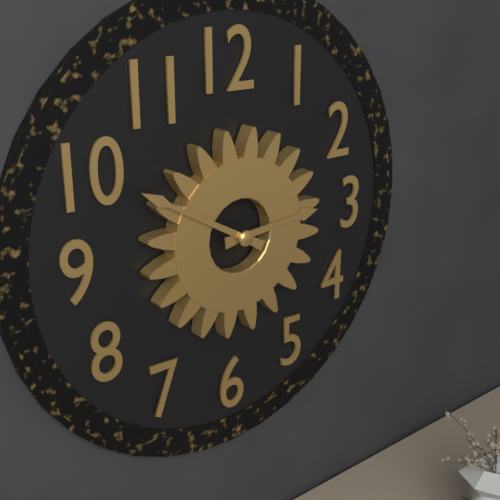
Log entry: {"hour": 2, "minute": 50}
